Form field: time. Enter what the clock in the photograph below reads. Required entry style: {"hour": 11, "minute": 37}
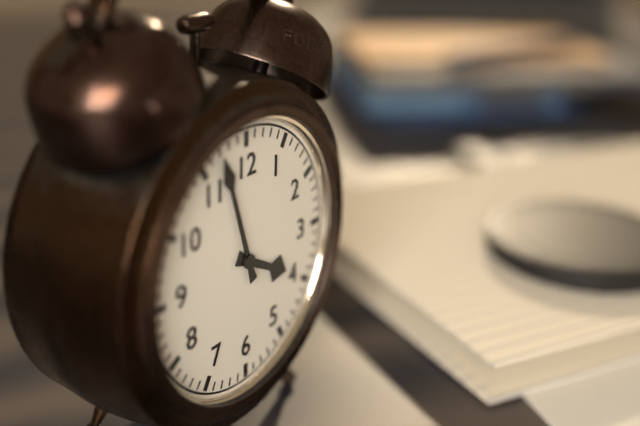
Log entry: {"hour": 3, "minute": 57}
